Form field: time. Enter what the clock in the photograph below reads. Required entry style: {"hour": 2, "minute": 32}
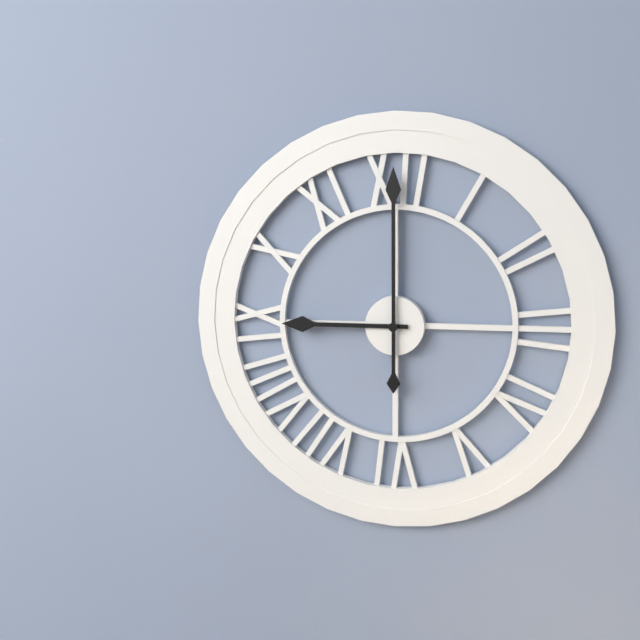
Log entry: {"hour": 9, "minute": 0}
